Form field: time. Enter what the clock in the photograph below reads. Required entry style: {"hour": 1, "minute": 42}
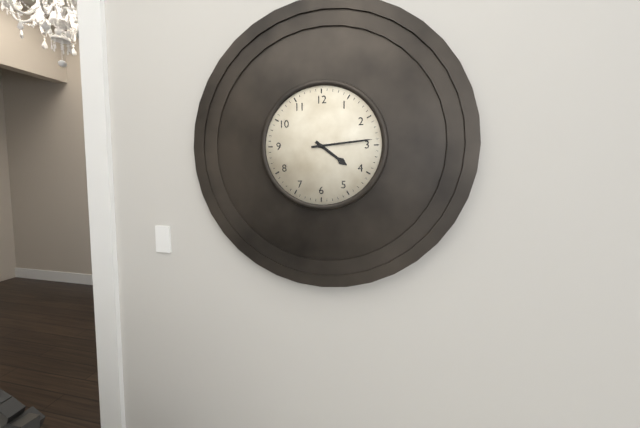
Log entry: {"hour": 4, "minute": 14}
